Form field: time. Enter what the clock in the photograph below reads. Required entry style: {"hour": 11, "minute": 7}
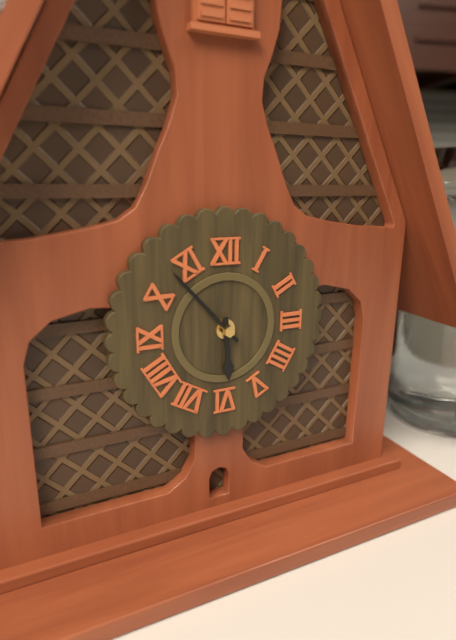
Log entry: {"hour": 5, "minute": 53}
